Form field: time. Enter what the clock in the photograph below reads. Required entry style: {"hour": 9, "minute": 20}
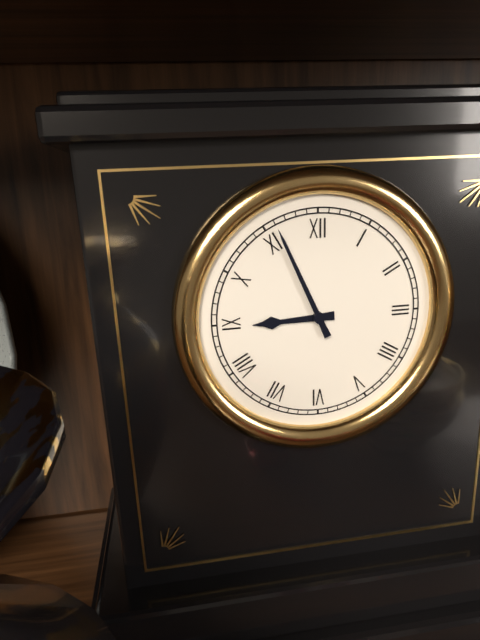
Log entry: {"hour": 8, "minute": 56}
